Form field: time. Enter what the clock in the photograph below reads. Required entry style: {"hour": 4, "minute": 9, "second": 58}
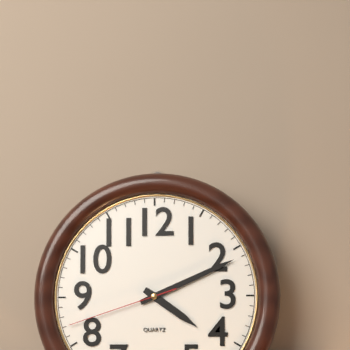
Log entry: {"hour": 4, "minute": 11, "second": 42}
